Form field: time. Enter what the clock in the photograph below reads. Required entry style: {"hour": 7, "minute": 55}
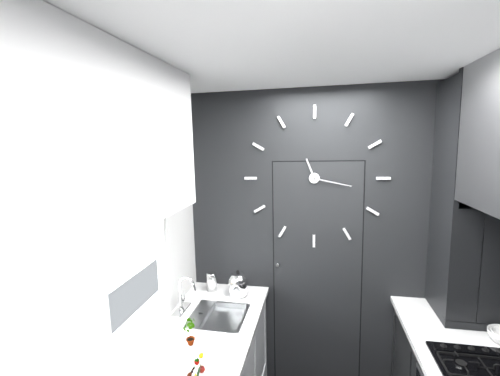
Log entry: {"hour": 11, "minute": 17}
